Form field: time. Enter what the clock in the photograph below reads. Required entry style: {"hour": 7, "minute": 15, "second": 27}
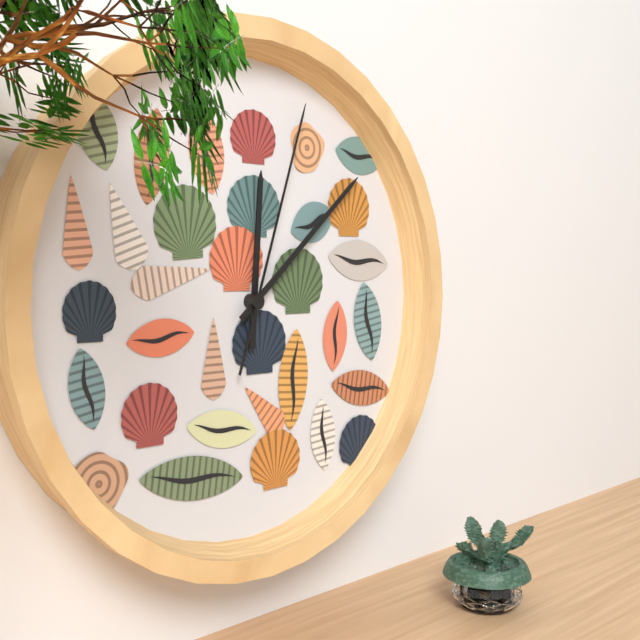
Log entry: {"hour": 12, "minute": 8, "second": 3}
